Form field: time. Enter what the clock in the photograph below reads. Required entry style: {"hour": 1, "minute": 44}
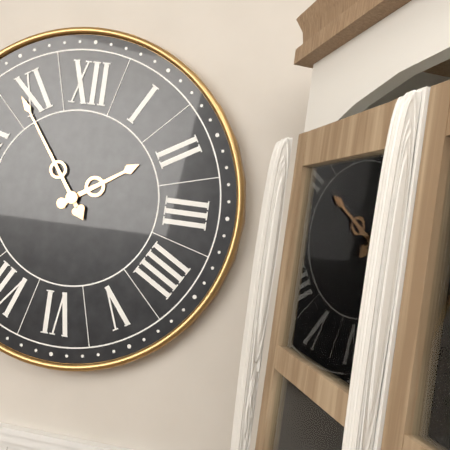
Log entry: {"hour": 1, "minute": 54}
